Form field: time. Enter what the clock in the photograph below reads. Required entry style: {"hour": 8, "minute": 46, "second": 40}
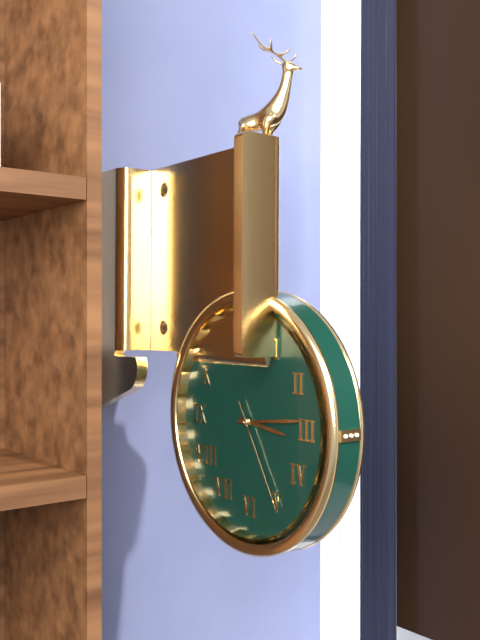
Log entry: {"hour": 3, "minute": 14, "second": 25}
